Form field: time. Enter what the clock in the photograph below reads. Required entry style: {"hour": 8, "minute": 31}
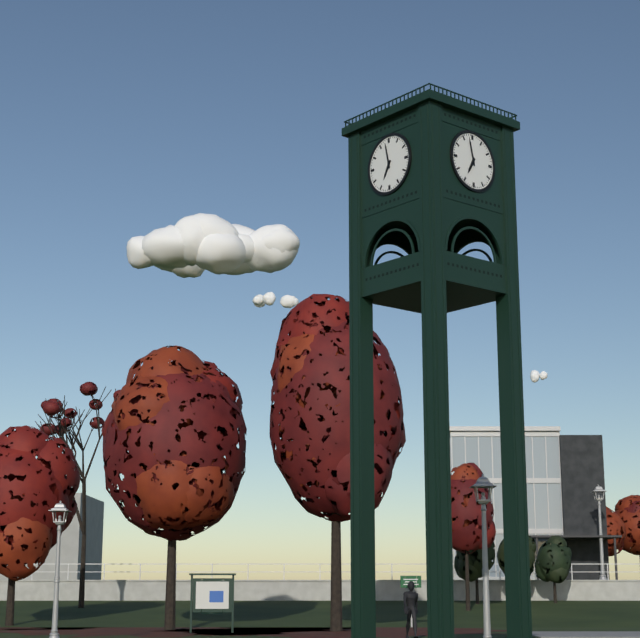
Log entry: {"hour": 6, "minute": 58}
